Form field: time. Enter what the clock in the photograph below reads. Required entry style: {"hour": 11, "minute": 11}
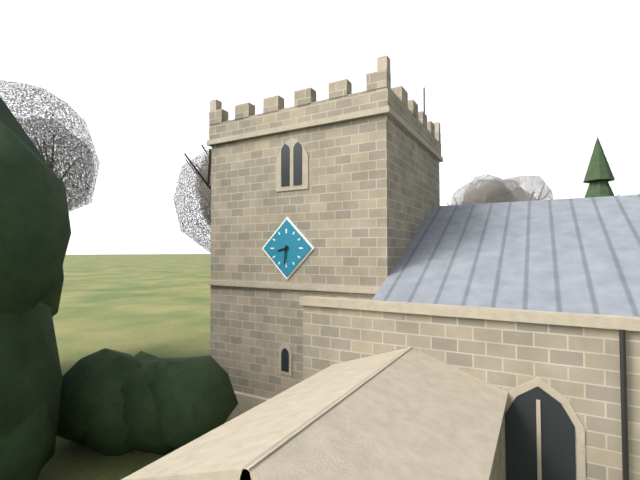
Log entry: {"hour": 8, "minute": 31}
